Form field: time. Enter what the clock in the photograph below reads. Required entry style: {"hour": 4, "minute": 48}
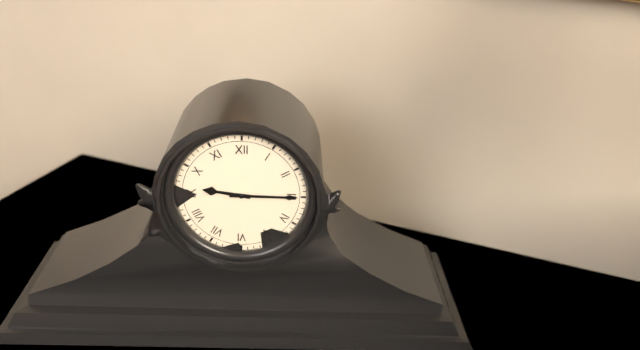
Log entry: {"hour": 9, "minute": 15}
